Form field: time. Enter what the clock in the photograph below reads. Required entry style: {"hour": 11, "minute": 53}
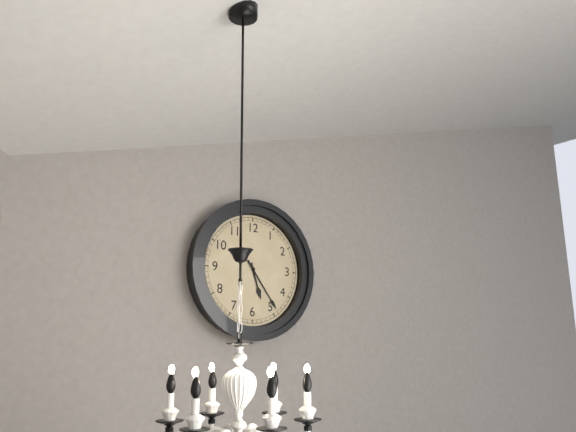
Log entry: {"hour": 5, "minute": 24}
